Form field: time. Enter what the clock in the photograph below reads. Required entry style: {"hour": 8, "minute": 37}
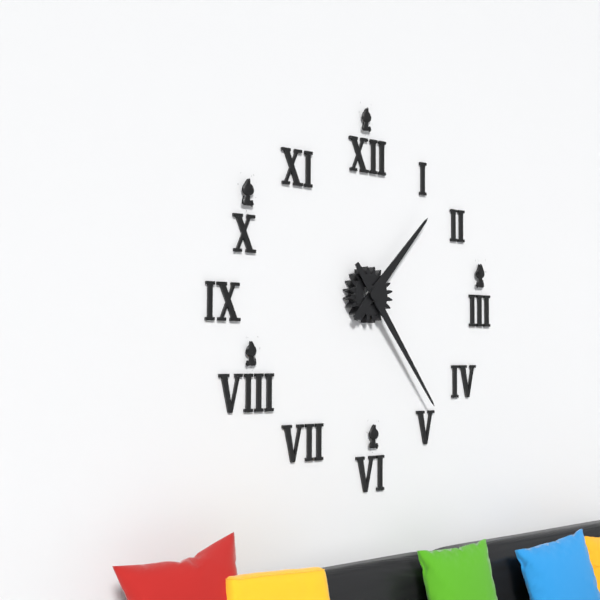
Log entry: {"hour": 1, "minute": 24}
